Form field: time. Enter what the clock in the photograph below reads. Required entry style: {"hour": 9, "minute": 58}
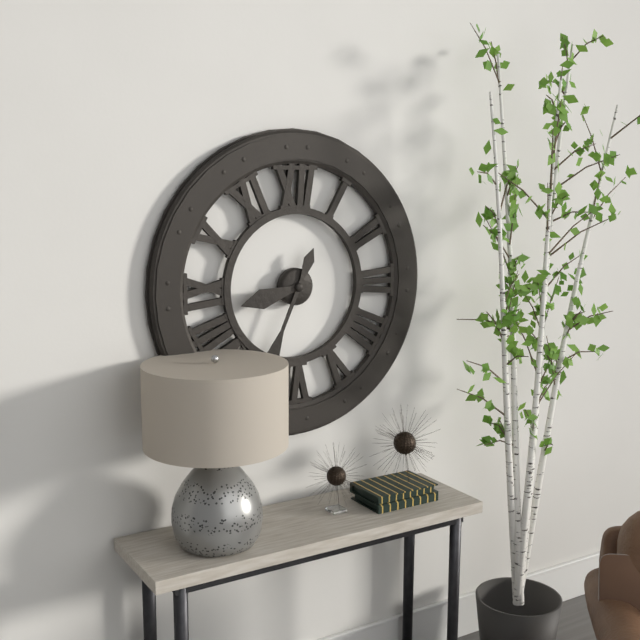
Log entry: {"hour": 8, "minute": 34}
